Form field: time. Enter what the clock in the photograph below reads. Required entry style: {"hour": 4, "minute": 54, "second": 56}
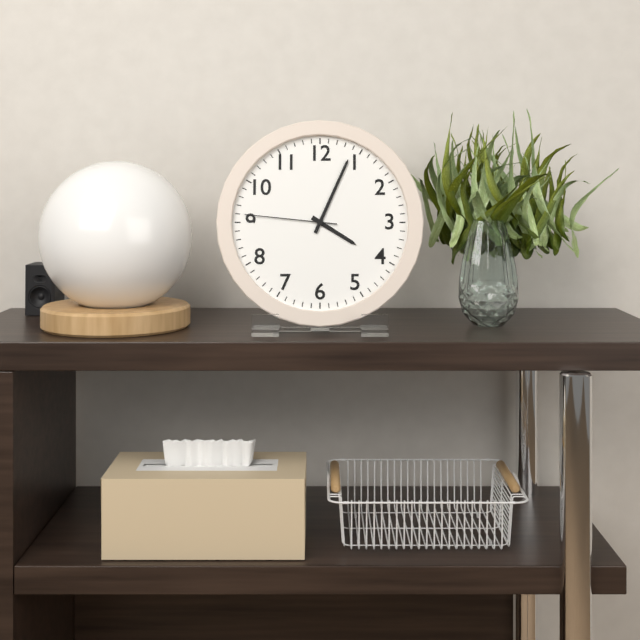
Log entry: {"hour": 4, "minute": 4, "second": 46}
